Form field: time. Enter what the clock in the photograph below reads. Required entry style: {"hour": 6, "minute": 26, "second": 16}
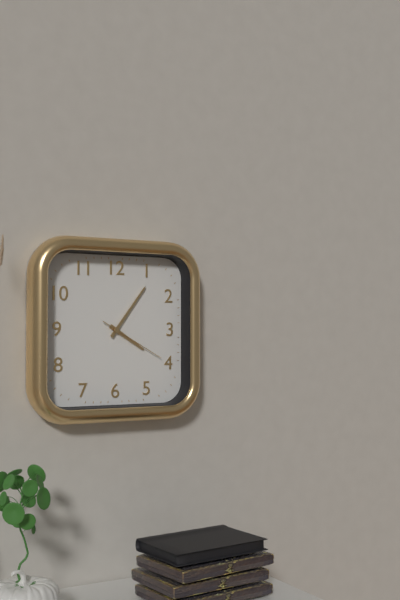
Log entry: {"hour": 4, "minute": 6, "second": 20}
